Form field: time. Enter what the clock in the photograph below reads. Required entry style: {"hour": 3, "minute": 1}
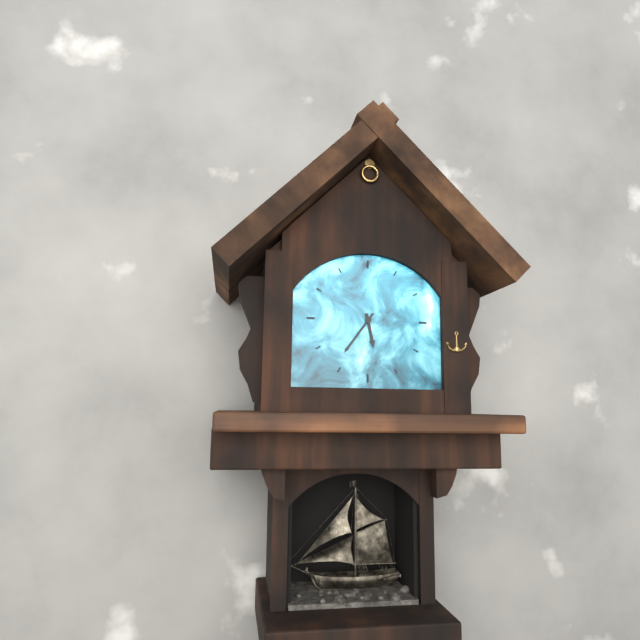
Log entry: {"hour": 5, "minute": 36}
